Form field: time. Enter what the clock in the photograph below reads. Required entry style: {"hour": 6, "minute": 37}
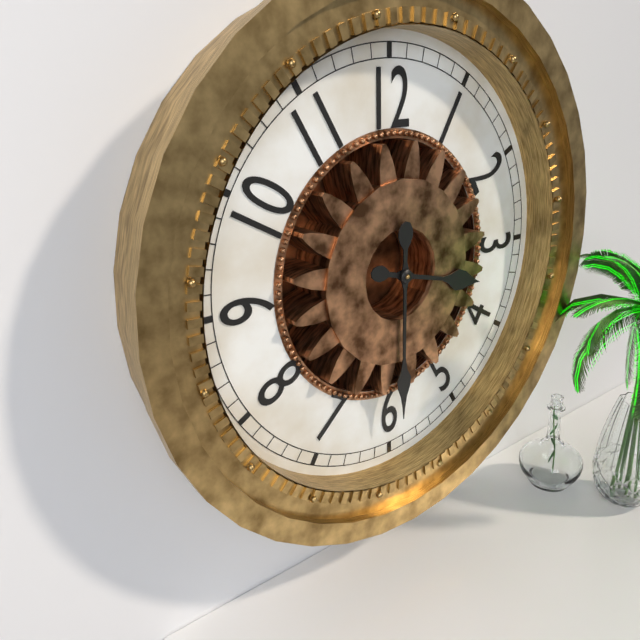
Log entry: {"hour": 3, "minute": 30}
